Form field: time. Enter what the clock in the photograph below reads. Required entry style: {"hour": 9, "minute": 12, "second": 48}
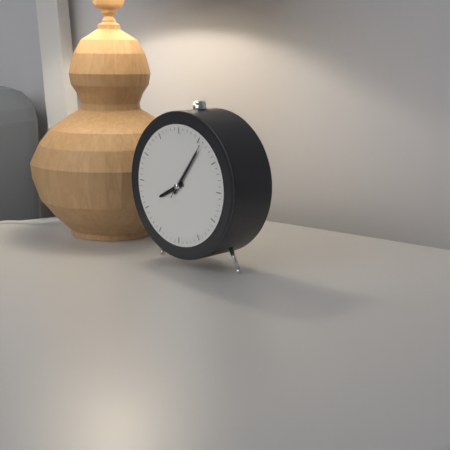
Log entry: {"hour": 8, "minute": 6, "second": 6}
